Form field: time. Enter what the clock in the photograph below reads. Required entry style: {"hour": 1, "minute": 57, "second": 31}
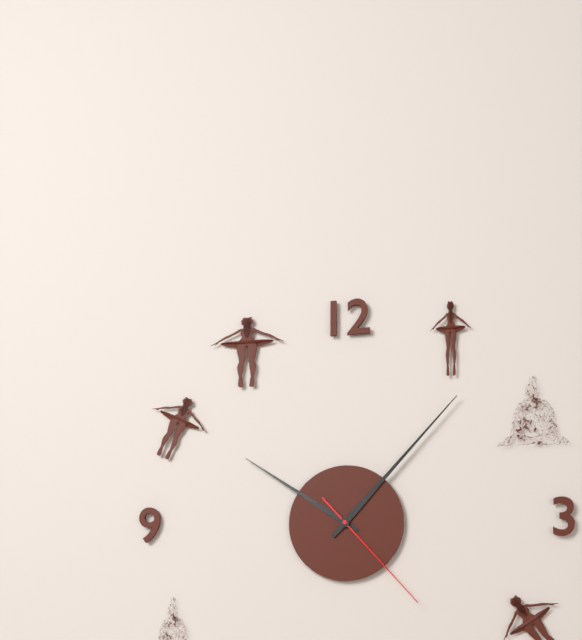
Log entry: {"hour": 10, "minute": 7, "second": 23}
